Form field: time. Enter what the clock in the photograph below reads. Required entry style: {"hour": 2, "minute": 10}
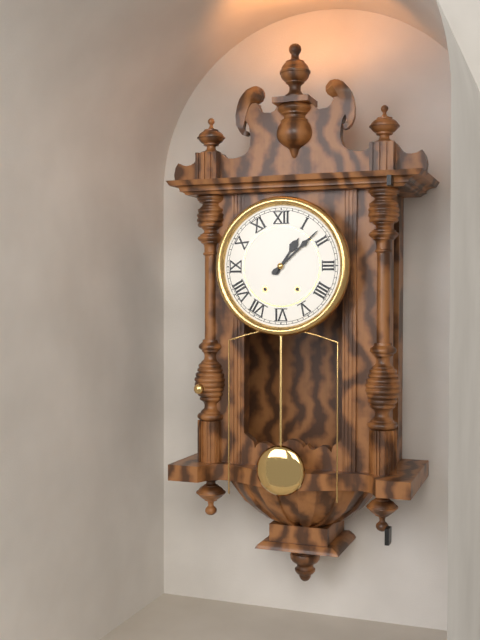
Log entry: {"hour": 1, "minute": 8}
